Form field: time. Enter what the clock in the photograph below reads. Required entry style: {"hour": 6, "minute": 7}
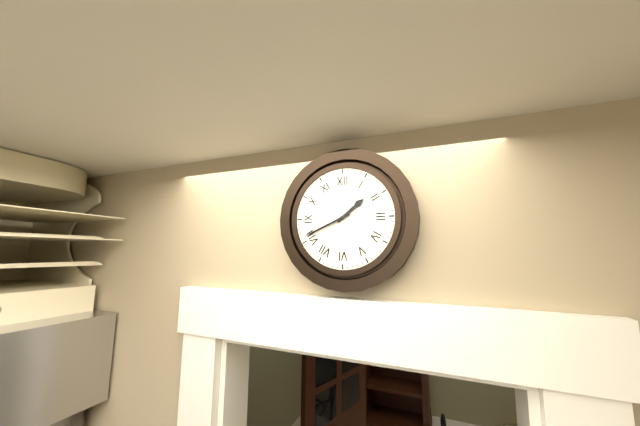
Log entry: {"hour": 1, "minute": 41}
